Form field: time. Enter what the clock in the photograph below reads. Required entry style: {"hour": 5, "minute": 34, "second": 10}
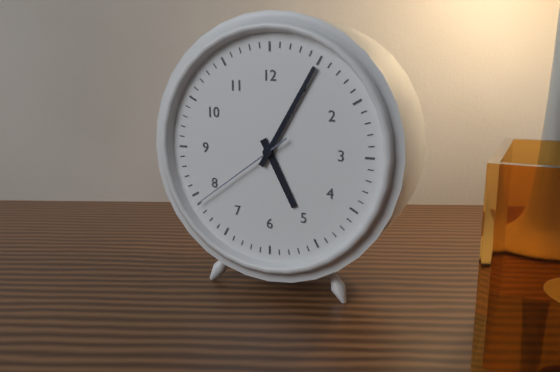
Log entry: {"hour": 5, "minute": 5, "second": 39}
